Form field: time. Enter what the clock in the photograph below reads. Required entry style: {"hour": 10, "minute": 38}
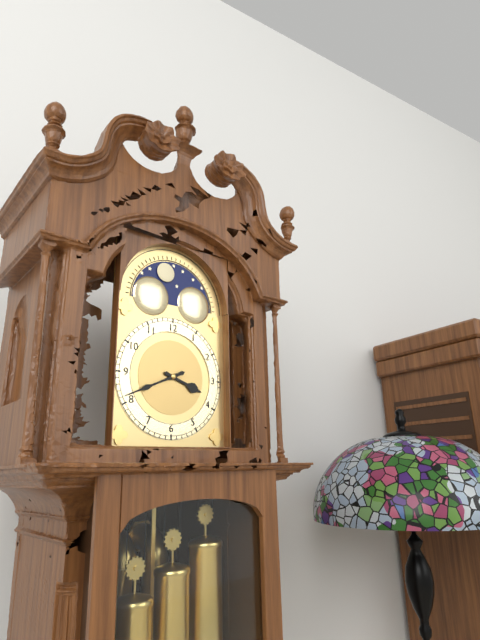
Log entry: {"hour": 3, "minute": 41}
